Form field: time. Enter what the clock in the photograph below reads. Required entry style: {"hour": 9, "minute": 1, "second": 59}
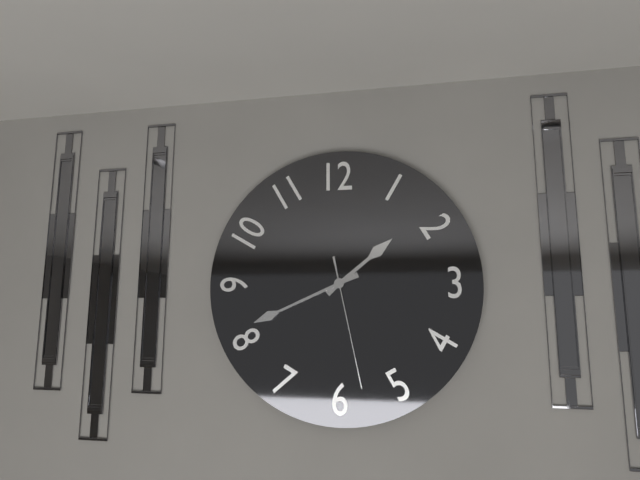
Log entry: {"hour": 1, "minute": 41, "second": 28}
